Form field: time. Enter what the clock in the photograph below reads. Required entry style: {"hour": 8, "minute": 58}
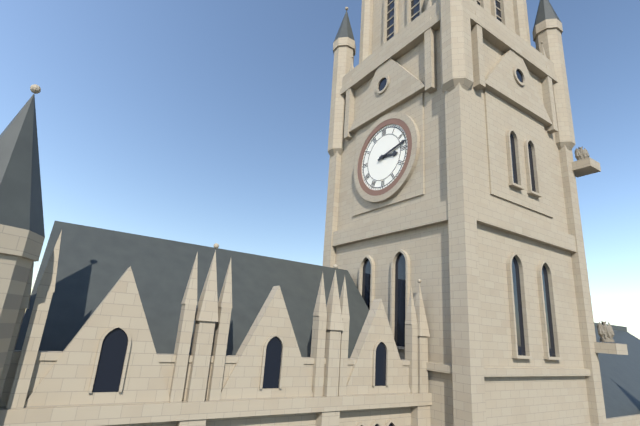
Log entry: {"hour": 3, "minute": 13}
